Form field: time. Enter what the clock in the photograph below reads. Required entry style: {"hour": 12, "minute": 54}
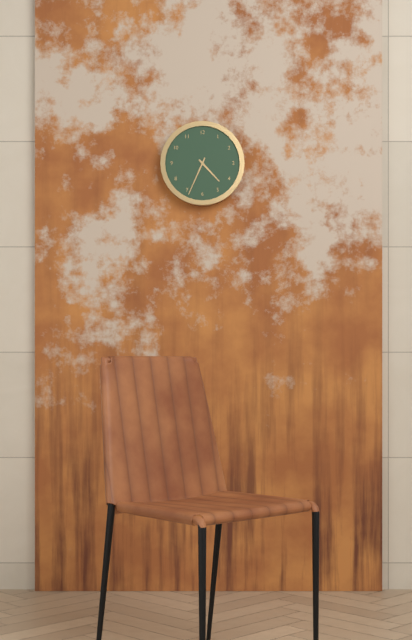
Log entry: {"hour": 4, "minute": 34}
